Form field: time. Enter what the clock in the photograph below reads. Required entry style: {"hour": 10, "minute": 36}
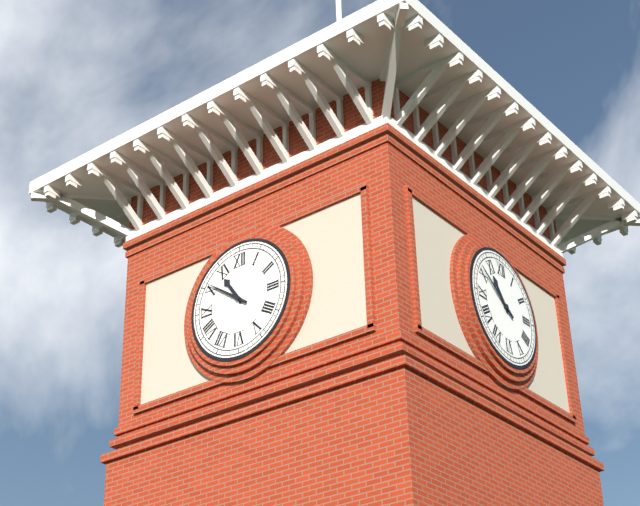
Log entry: {"hour": 10, "minute": 51}
